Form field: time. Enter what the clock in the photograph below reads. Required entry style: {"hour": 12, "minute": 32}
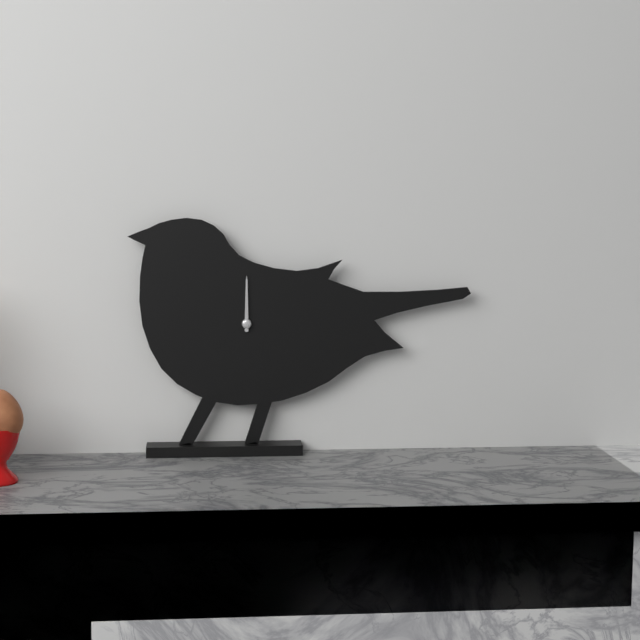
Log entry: {"hour": 12, "minute": 0}
